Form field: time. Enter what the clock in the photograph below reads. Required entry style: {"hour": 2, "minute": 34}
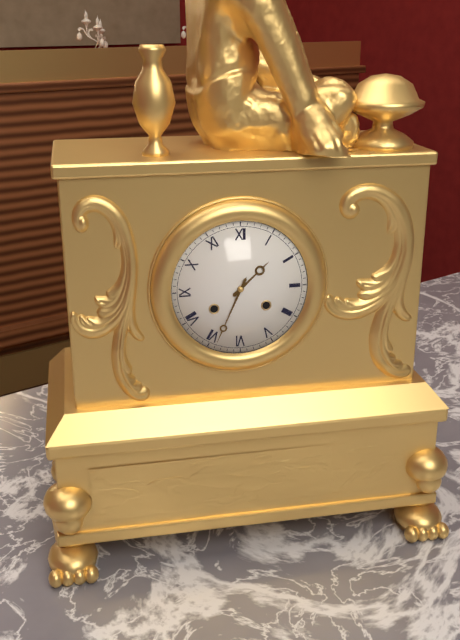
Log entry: {"hour": 1, "minute": 34}
